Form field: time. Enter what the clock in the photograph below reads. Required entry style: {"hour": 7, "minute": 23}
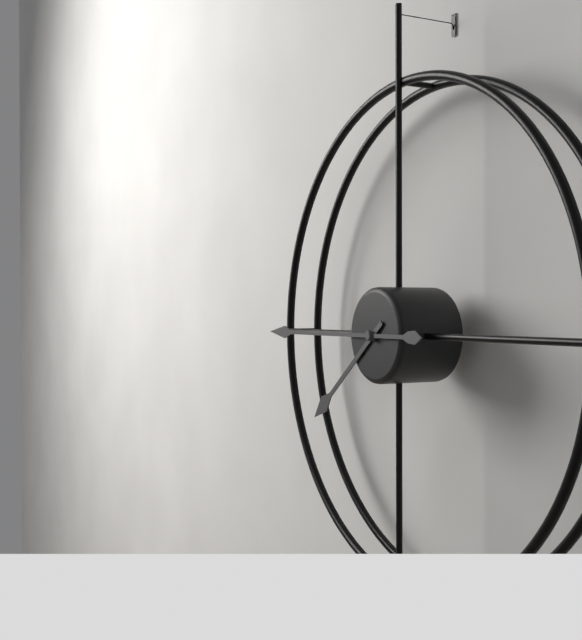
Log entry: {"hour": 7, "minute": 45}
